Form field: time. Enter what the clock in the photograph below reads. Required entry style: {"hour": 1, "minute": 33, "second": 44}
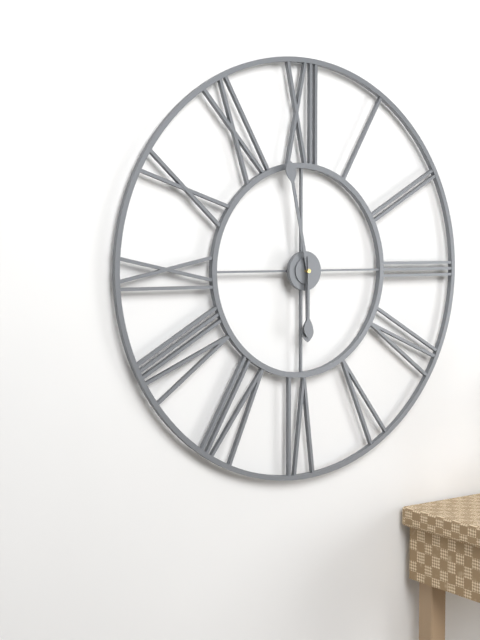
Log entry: {"hour": 5, "minute": 58, "second": 30}
